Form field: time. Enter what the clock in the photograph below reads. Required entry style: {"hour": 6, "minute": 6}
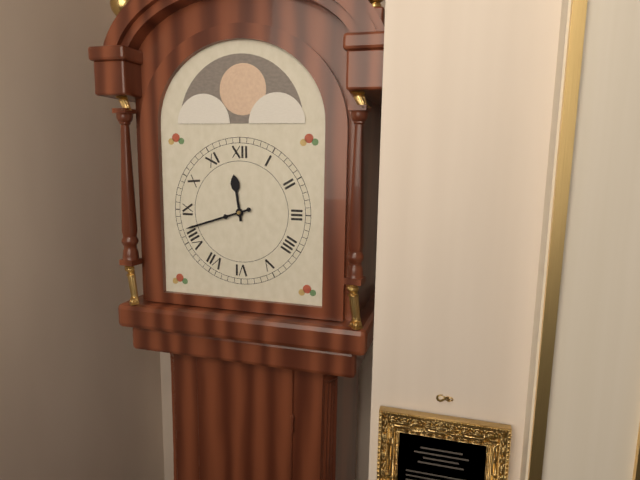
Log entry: {"hour": 11, "minute": 42}
